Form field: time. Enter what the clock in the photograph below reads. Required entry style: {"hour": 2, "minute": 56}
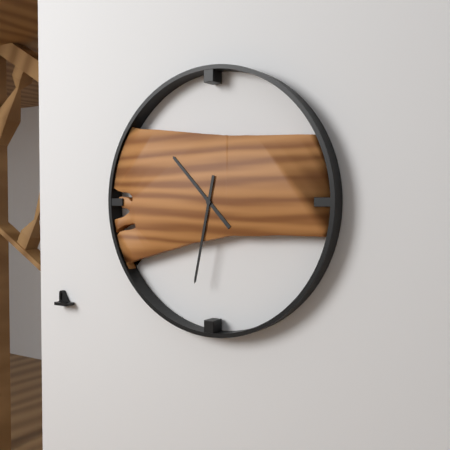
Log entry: {"hour": 10, "minute": 32}
